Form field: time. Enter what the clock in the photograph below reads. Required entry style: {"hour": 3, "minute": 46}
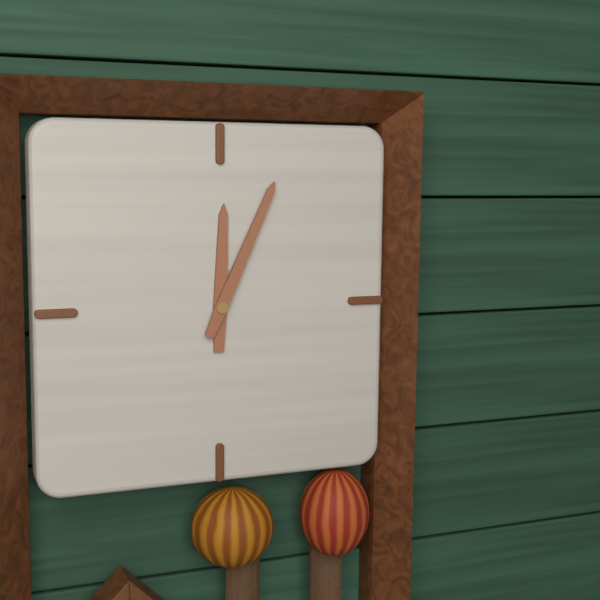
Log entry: {"hour": 12, "minute": 4}
